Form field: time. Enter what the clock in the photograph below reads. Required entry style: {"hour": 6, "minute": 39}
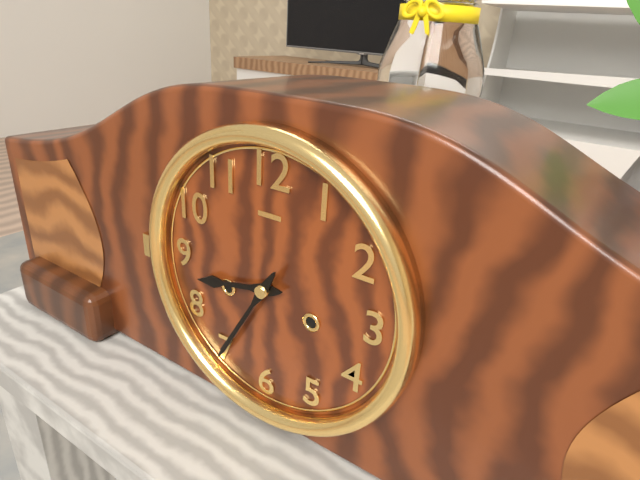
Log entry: {"hour": 8, "minute": 35}
